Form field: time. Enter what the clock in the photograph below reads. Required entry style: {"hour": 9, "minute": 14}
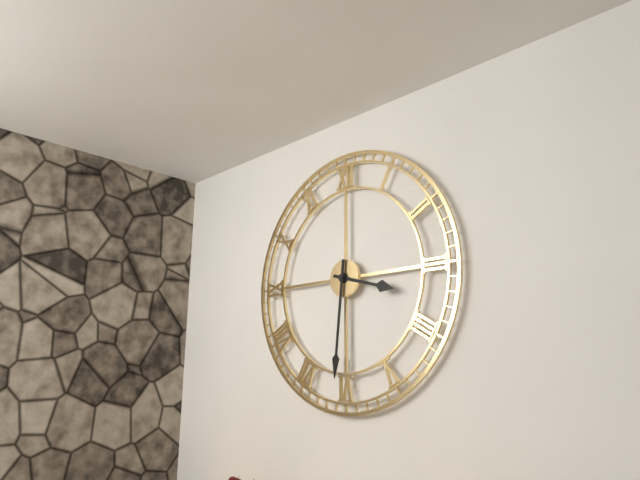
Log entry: {"hour": 3, "minute": 31}
